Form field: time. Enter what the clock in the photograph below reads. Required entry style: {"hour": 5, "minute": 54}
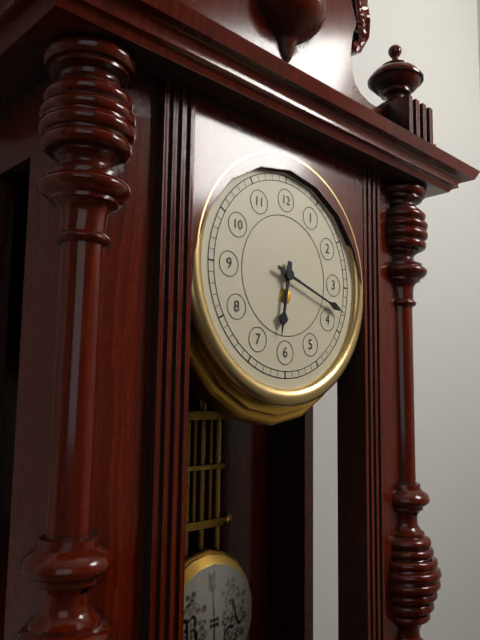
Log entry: {"hour": 6, "minute": 18}
